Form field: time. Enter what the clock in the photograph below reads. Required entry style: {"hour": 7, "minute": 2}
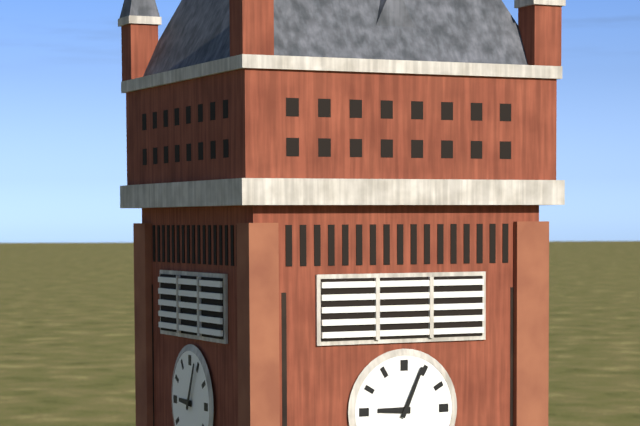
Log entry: {"hour": 9, "minute": 4}
